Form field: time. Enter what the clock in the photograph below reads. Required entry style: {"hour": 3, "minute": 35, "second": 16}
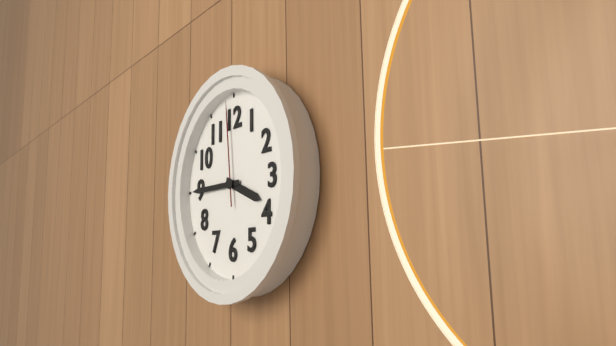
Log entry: {"hour": 3, "minute": 45, "second": 59}
